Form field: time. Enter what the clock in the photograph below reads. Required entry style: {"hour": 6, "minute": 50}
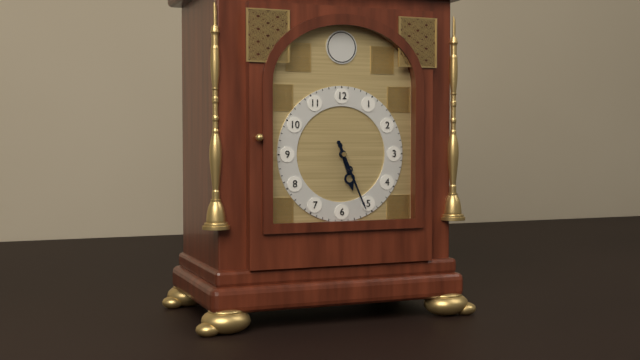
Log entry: {"hour": 5, "minute": 26}
